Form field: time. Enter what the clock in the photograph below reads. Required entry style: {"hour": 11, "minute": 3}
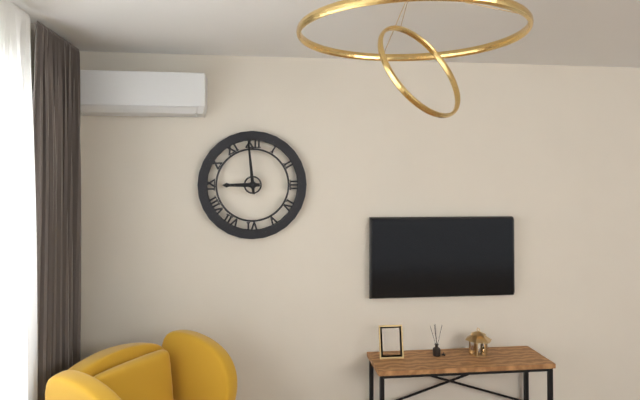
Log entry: {"hour": 8, "minute": 59}
